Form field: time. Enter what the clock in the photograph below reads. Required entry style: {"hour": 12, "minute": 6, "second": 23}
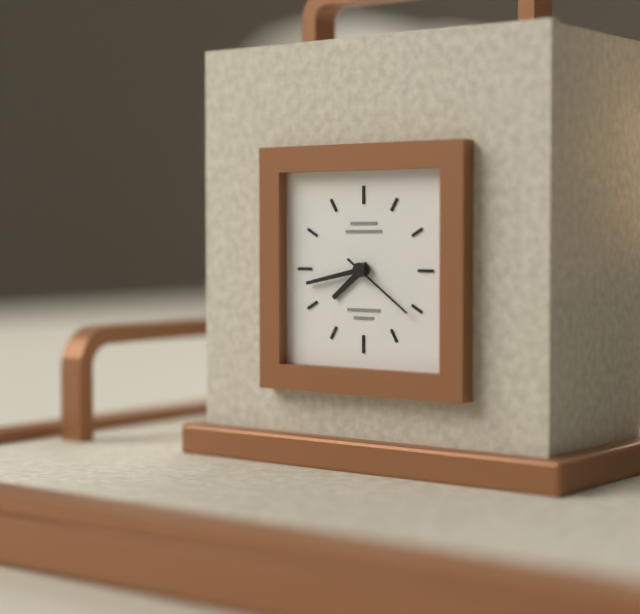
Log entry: {"hour": 7, "minute": 43, "second": 21}
